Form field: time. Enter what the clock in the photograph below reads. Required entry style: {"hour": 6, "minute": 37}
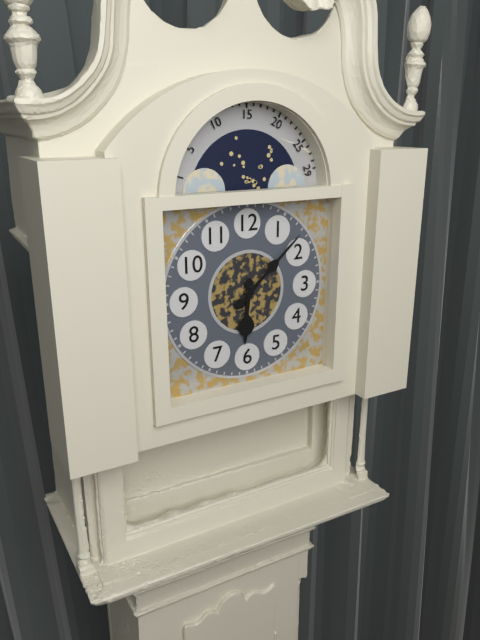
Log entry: {"hour": 6, "minute": 8}
